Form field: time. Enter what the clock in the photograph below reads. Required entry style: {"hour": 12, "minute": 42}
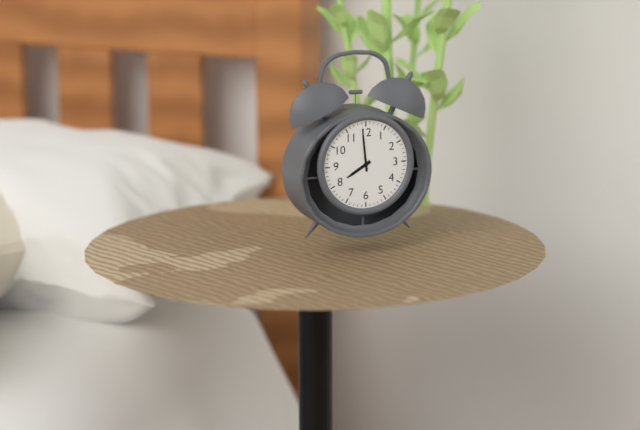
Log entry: {"hour": 7, "minute": 59}
